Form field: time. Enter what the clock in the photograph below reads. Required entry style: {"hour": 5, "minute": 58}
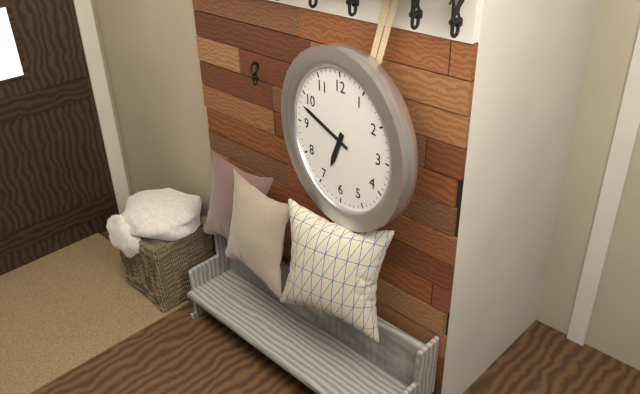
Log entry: {"hour": 6, "minute": 48}
